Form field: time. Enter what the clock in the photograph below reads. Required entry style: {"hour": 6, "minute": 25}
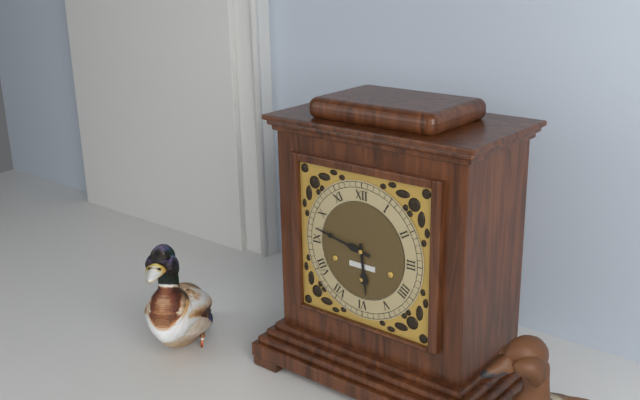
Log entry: {"hour": 5, "minute": 47}
